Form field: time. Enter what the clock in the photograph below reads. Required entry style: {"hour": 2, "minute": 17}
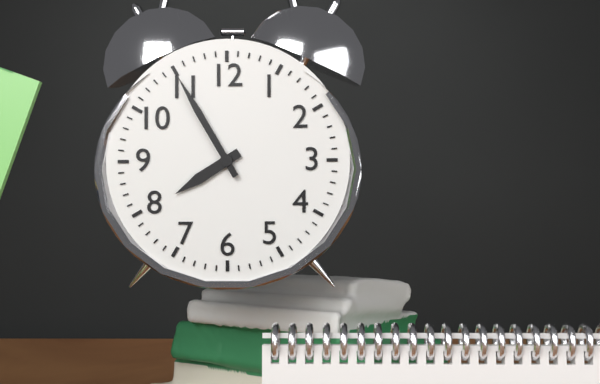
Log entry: {"hour": 7, "minute": 55}
